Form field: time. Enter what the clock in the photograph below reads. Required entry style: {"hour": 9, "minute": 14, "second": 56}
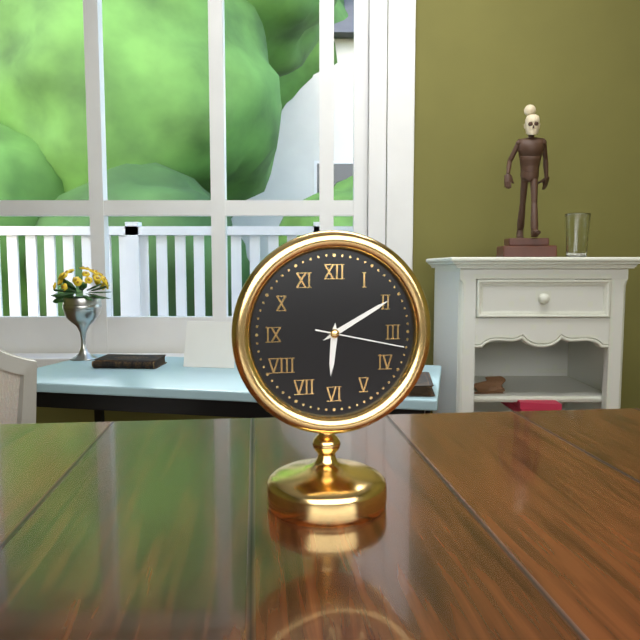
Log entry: {"hour": 6, "minute": 10, "second": 17}
